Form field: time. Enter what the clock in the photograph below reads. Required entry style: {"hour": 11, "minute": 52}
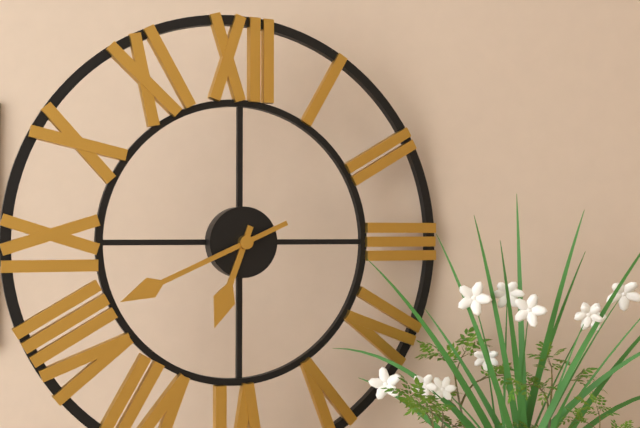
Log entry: {"hour": 6, "minute": 41}
